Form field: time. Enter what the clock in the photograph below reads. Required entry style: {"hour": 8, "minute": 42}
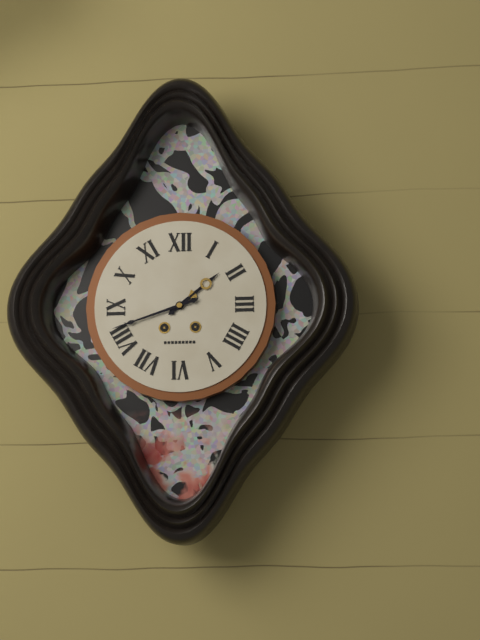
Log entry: {"hour": 1, "minute": 42}
